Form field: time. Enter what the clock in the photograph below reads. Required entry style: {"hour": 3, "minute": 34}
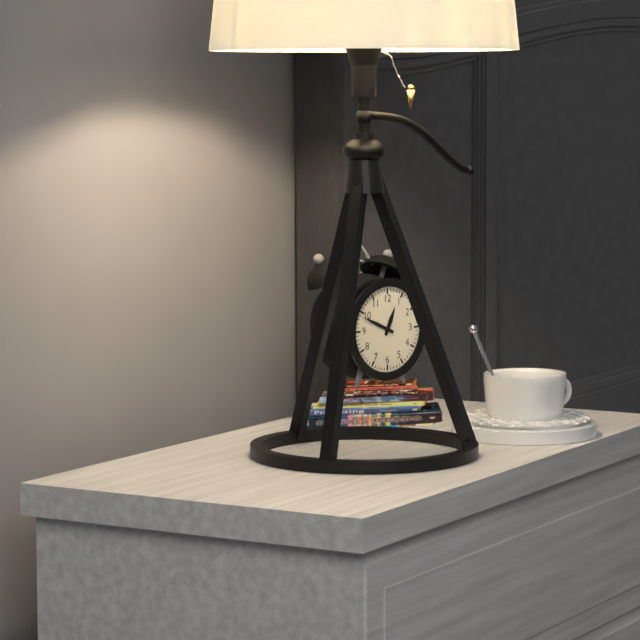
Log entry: {"hour": 12, "minute": 49}
